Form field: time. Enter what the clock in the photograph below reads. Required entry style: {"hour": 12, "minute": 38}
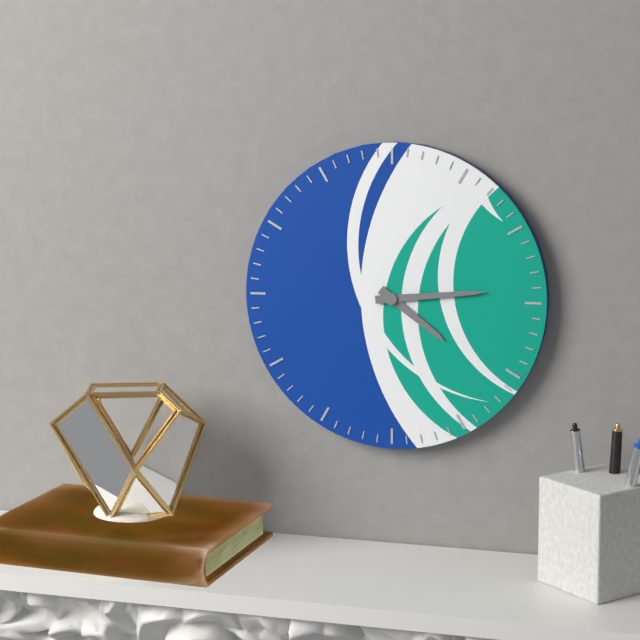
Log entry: {"hour": 4, "minute": 14}
